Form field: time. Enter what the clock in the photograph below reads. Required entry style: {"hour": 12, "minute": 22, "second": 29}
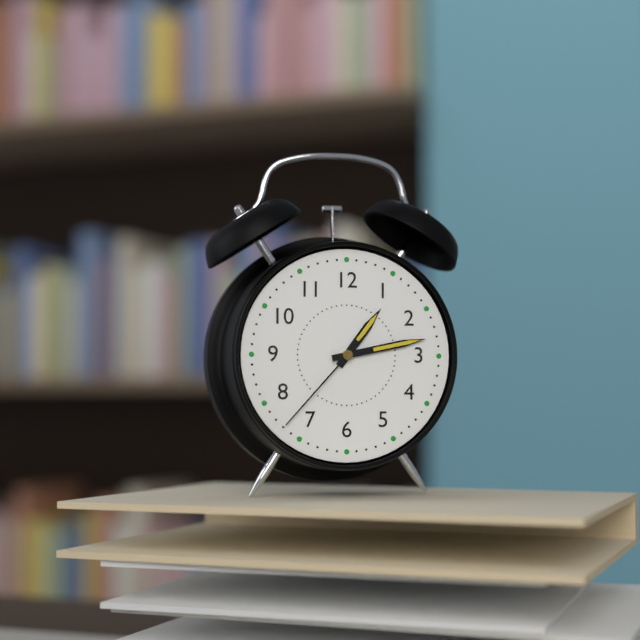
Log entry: {"hour": 1, "minute": 13, "second": 37}
